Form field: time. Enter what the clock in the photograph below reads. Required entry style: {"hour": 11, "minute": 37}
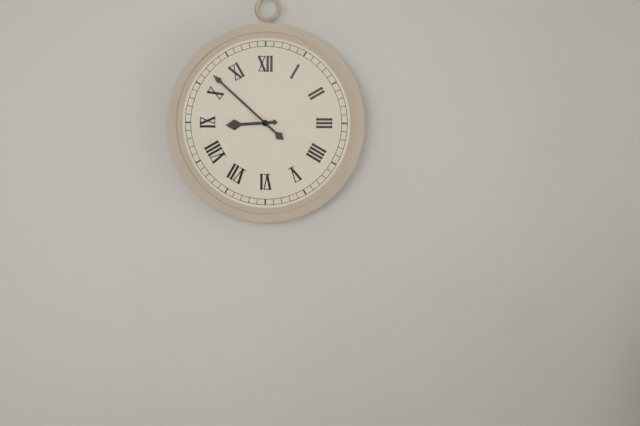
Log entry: {"hour": 8, "minute": 52}
